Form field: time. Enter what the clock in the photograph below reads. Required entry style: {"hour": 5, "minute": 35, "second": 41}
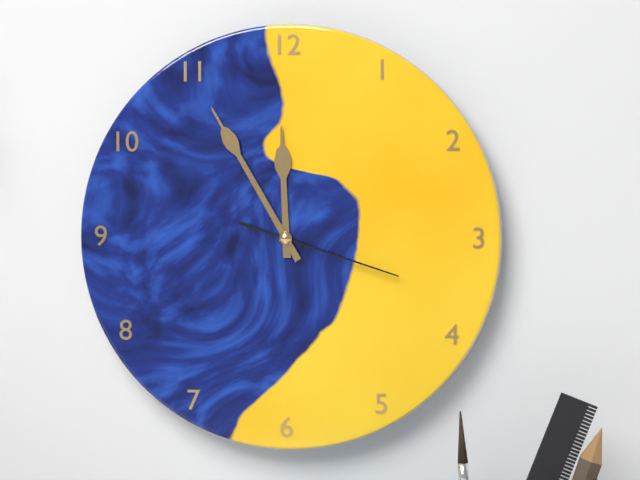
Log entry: {"hour": 11, "minute": 55, "second": 18}
